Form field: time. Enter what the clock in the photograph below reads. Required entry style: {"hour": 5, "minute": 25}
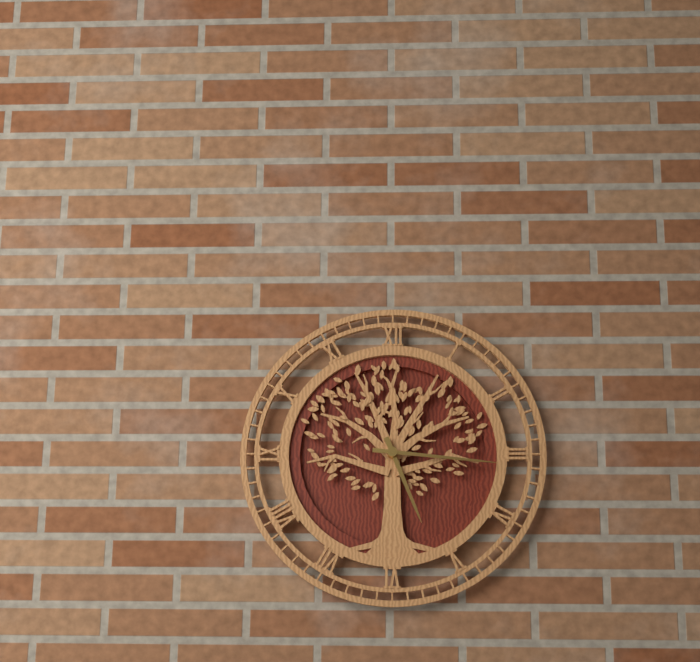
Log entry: {"hour": 5, "minute": 16}
